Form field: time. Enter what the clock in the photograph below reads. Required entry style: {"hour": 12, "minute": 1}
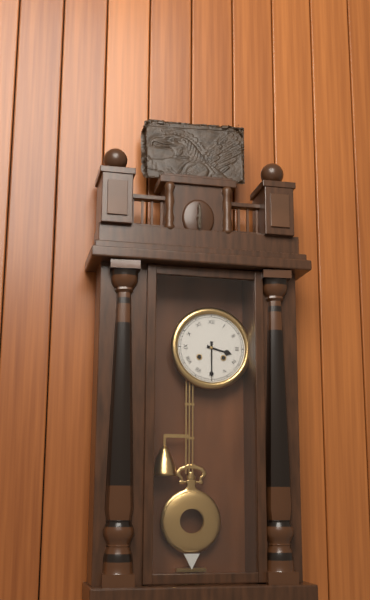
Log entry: {"hour": 3, "minute": 30}
